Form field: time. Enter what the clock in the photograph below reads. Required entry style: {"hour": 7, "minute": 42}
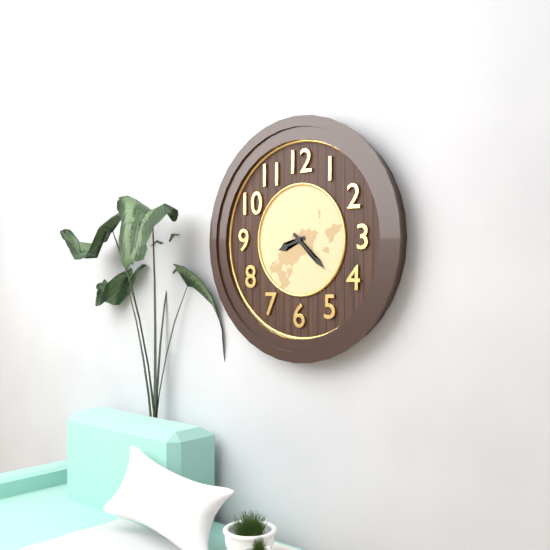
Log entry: {"hour": 8, "minute": 22}
